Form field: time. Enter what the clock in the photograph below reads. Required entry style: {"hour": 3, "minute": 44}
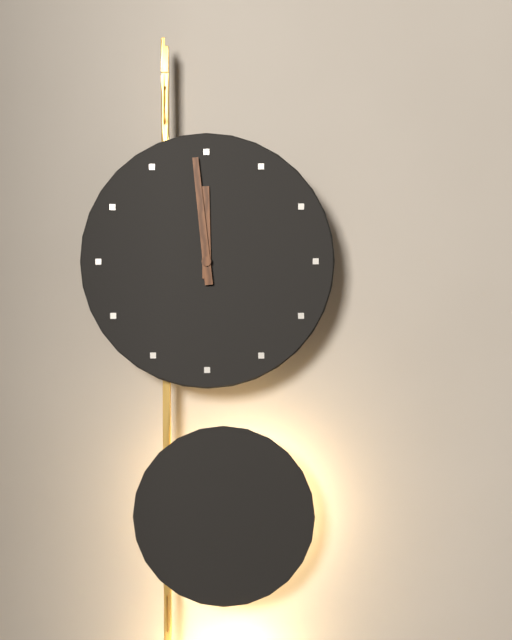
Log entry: {"hour": 11, "minute": 59}
